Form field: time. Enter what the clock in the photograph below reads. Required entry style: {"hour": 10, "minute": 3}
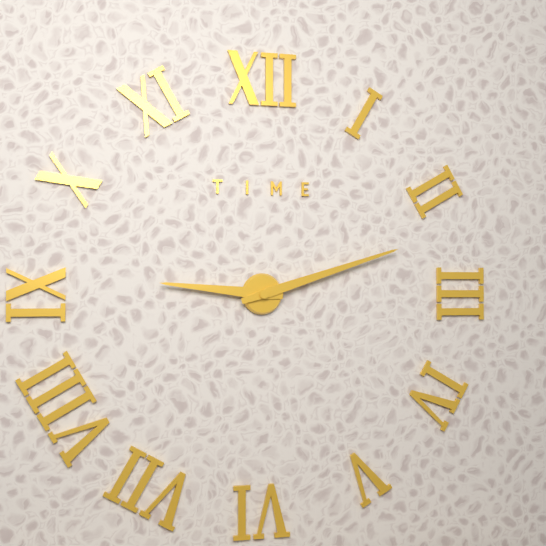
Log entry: {"hour": 9, "minute": 12}
